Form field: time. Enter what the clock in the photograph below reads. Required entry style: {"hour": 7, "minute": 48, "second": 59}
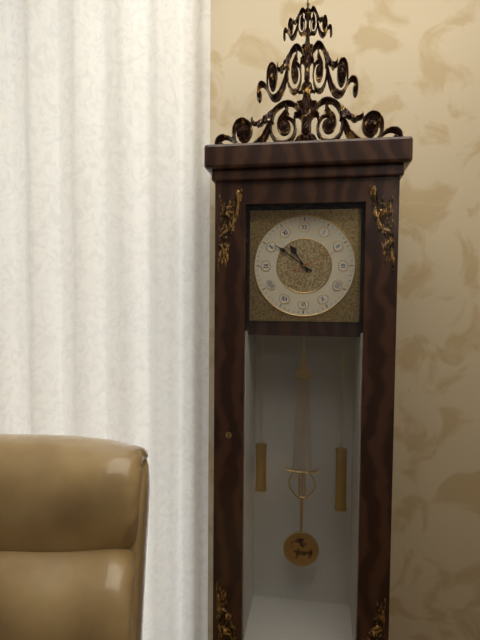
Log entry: {"hour": 10, "minute": 51, "second": 11}
